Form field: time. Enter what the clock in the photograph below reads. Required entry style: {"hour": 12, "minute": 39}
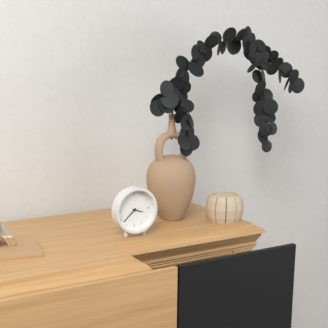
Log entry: {"hour": 3, "minute": 38}
